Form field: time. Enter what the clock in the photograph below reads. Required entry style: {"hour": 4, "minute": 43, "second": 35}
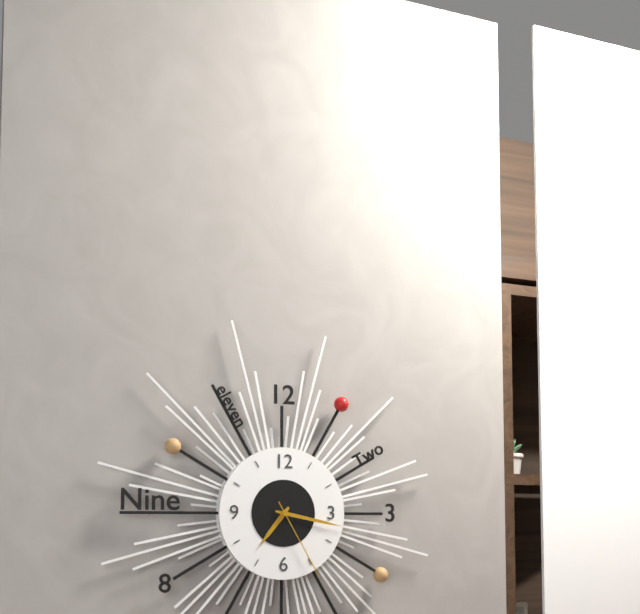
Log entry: {"hour": 7, "minute": 17, "second": 25}
